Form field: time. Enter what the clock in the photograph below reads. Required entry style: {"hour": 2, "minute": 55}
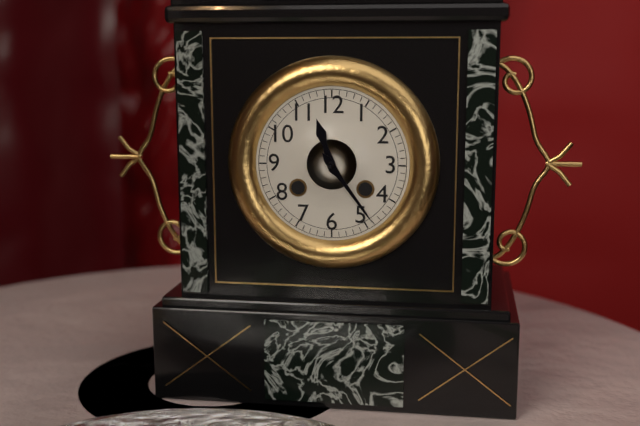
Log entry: {"hour": 11, "minute": 24}
